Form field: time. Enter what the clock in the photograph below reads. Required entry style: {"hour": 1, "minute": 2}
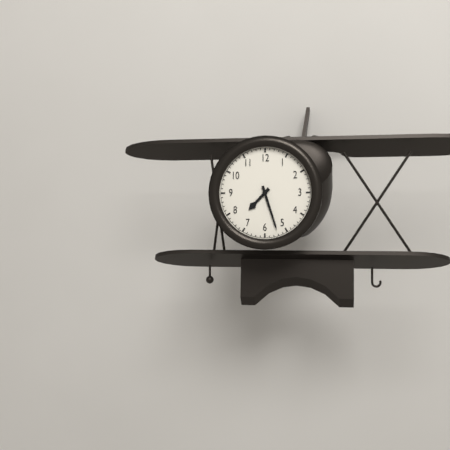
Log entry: {"hour": 7, "minute": 27}
